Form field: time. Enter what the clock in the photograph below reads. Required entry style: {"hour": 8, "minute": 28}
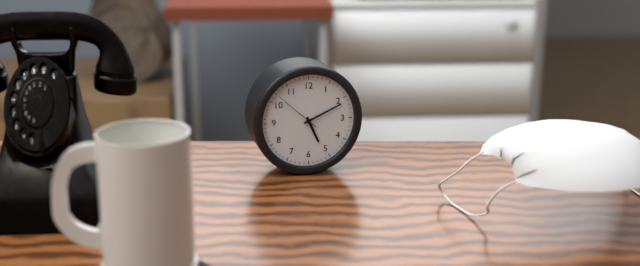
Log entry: {"hour": 5, "minute": 11}
